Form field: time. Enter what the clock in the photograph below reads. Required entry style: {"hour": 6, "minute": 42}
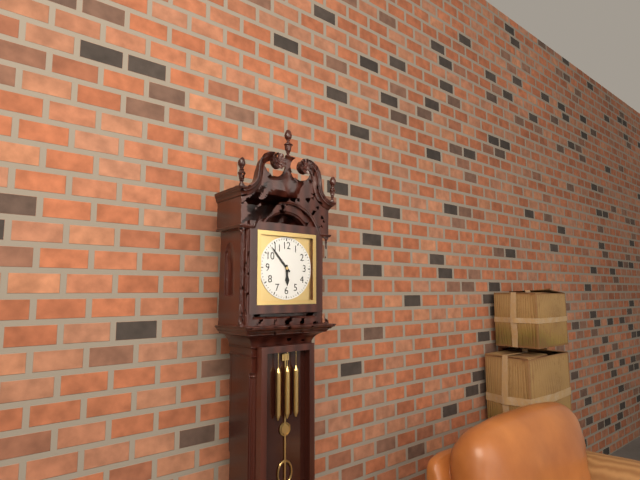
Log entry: {"hour": 5, "minute": 53}
